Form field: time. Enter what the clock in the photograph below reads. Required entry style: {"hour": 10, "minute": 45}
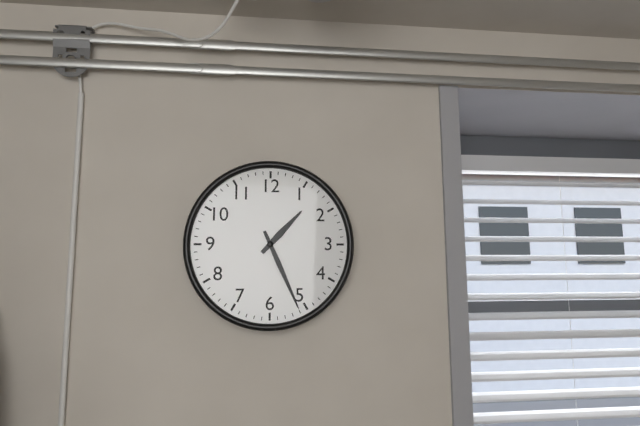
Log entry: {"hour": 1, "minute": 26}
